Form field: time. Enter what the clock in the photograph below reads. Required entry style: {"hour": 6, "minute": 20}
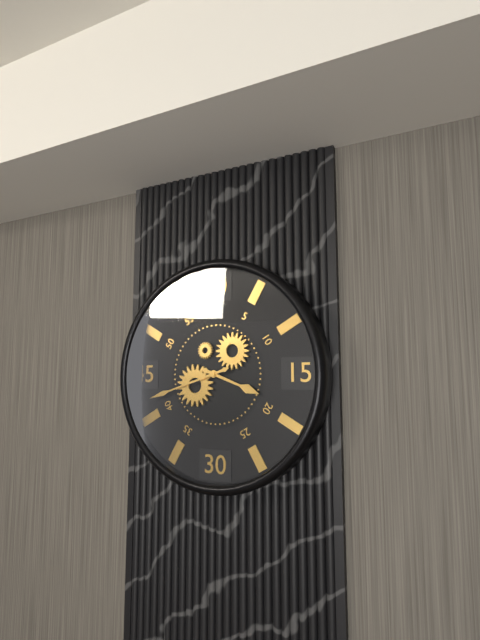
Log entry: {"hour": 3, "minute": 42}
